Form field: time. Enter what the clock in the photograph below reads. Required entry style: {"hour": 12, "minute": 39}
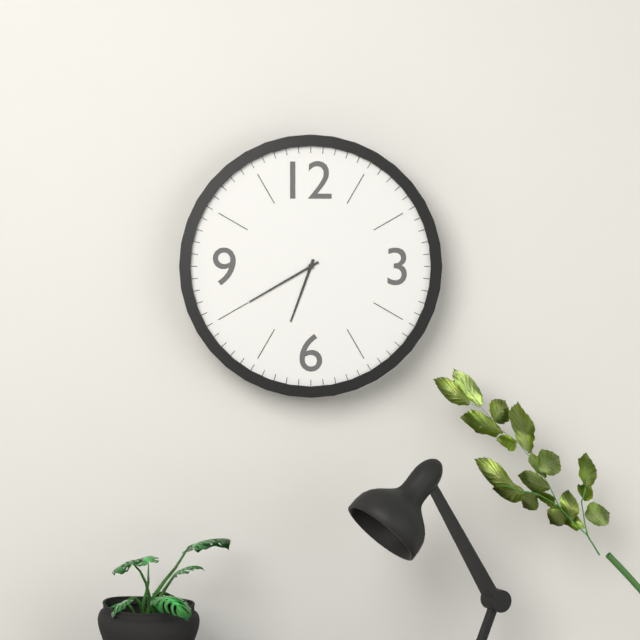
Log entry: {"hour": 6, "minute": 40}
